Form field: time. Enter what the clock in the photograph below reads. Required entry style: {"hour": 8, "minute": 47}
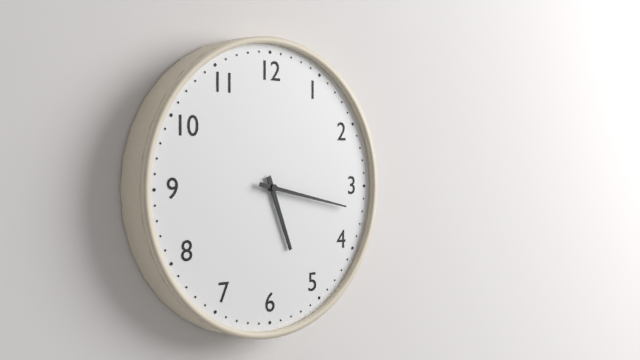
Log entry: {"hour": 5, "minute": 17}
